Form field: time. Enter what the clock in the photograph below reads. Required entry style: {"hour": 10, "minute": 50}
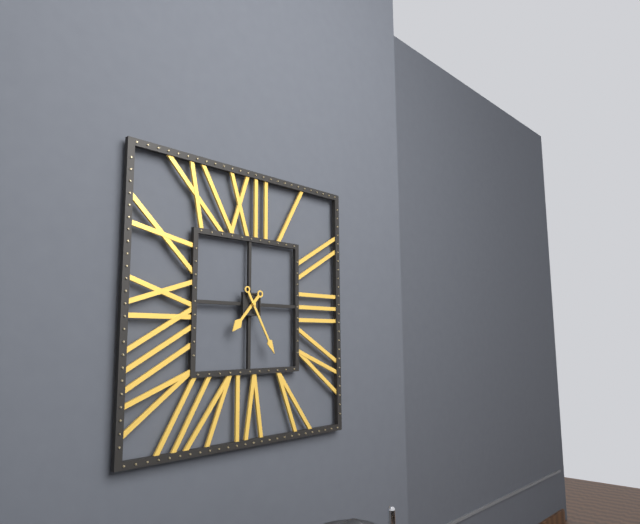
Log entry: {"hour": 7, "minute": 25}
